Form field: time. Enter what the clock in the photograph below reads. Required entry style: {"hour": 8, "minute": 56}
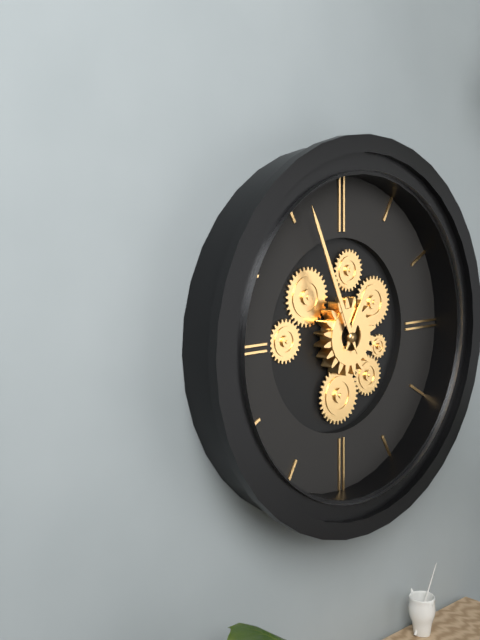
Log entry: {"hour": 12, "minute": 56}
